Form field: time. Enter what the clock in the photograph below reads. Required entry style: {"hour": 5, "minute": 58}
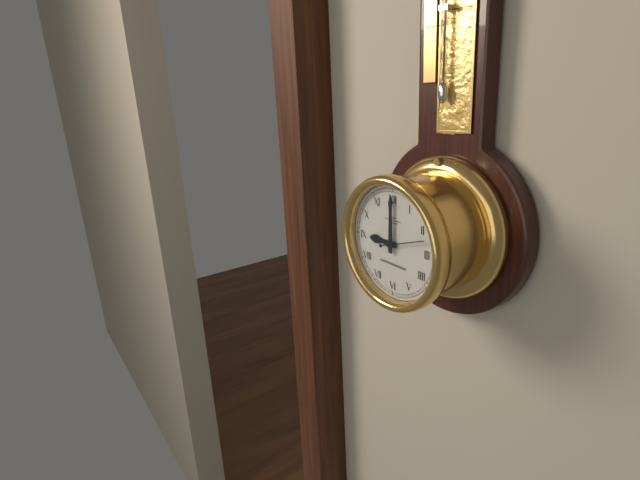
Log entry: {"hour": 9, "minute": 0}
